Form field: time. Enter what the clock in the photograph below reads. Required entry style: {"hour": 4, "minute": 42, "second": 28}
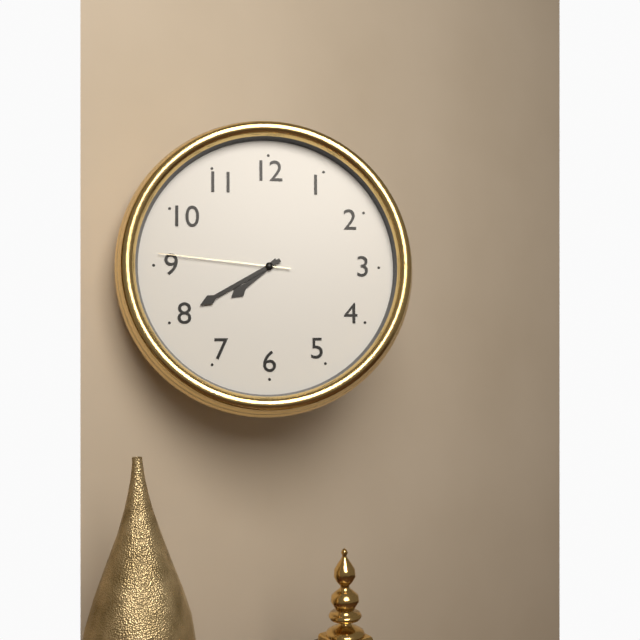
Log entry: {"hour": 7, "minute": 40, "second": 46}
